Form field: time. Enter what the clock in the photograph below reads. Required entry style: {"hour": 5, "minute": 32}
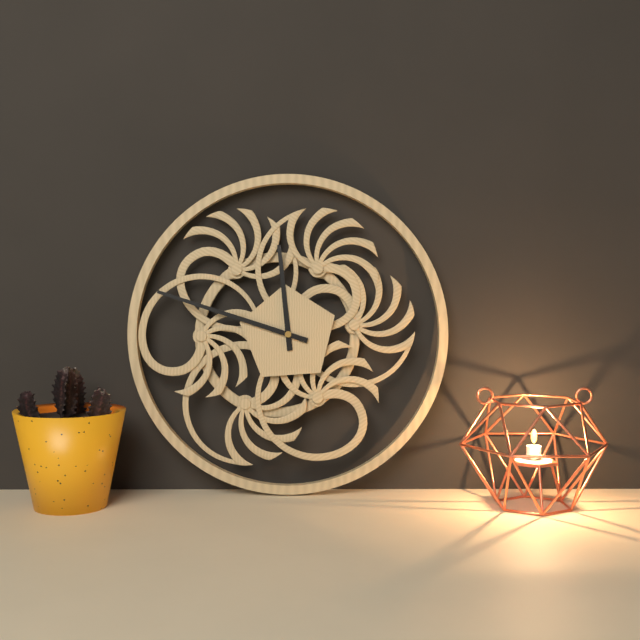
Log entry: {"hour": 11, "minute": 48}
